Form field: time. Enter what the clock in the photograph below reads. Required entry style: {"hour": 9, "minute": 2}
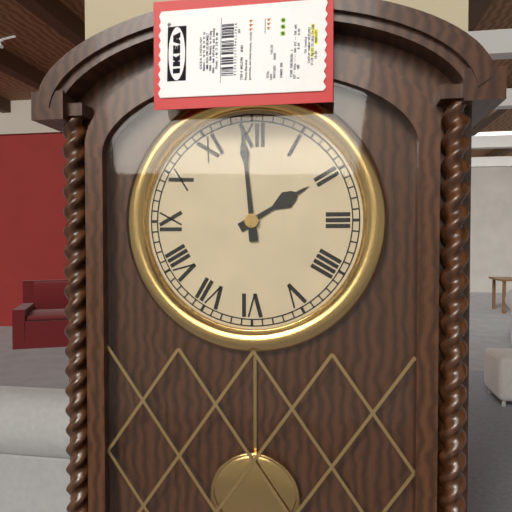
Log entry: {"hour": 1, "minute": 59}
